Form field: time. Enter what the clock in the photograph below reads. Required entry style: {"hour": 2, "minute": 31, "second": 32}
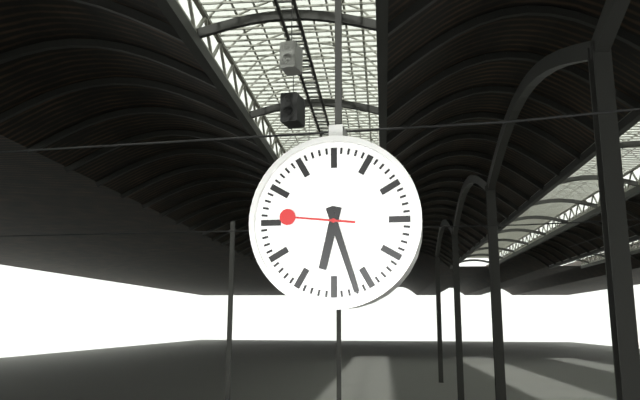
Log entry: {"hour": 6, "minute": 27, "second": 46}
